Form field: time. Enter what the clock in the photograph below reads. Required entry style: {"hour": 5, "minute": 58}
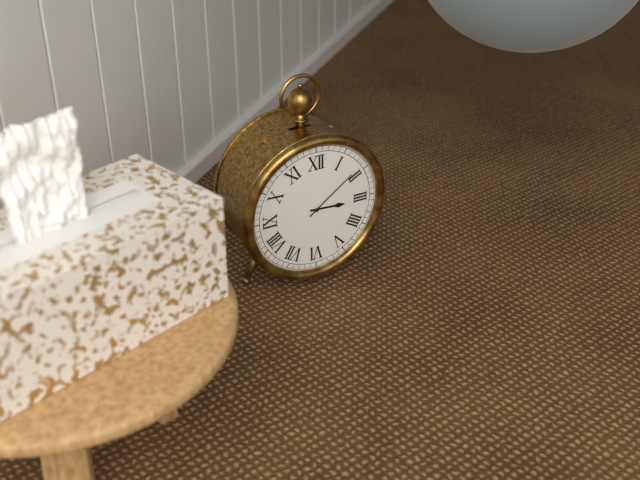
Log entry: {"hour": 3, "minute": 9}
